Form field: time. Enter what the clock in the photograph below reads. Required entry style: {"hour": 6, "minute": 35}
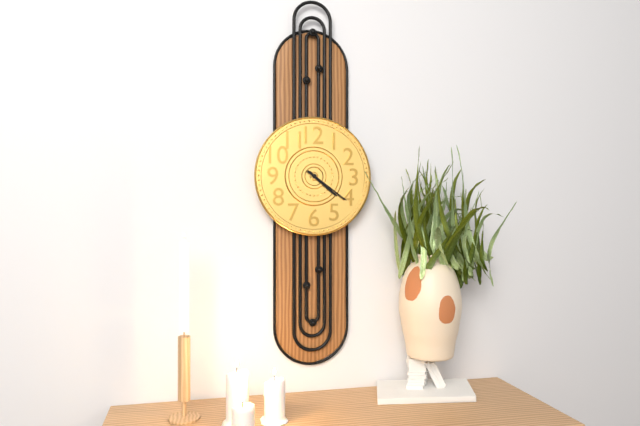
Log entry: {"hour": 4, "minute": 21}
